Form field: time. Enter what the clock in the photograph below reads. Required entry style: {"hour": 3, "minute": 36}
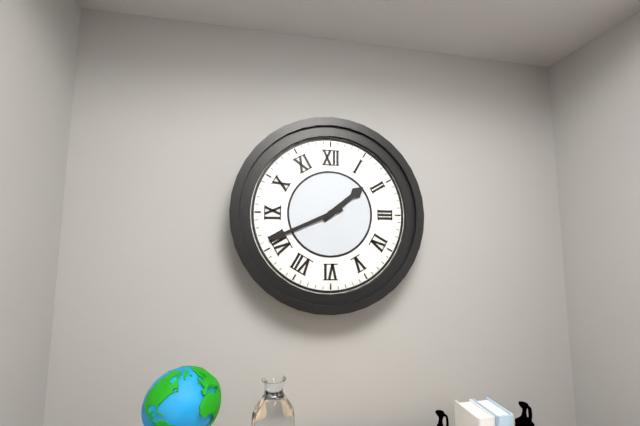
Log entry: {"hour": 1, "minute": 41}
